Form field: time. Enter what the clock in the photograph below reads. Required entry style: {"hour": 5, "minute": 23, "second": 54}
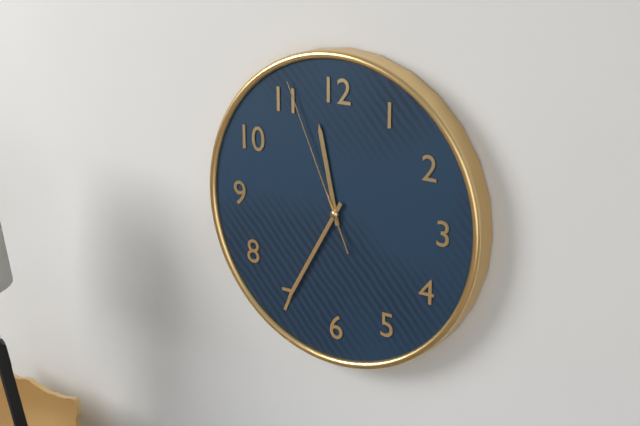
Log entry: {"hour": 11, "minute": 35, "second": 56}
